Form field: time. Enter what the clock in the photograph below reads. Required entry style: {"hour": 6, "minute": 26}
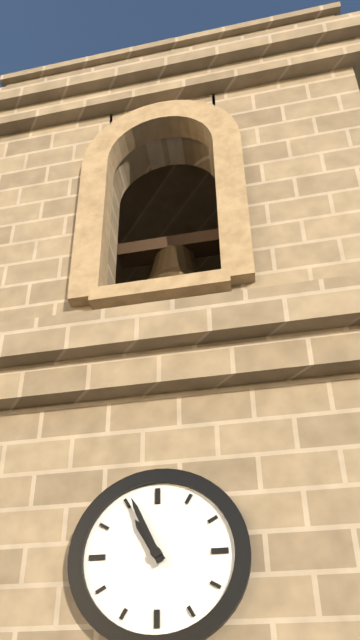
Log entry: {"hour": 10, "minute": 56}
